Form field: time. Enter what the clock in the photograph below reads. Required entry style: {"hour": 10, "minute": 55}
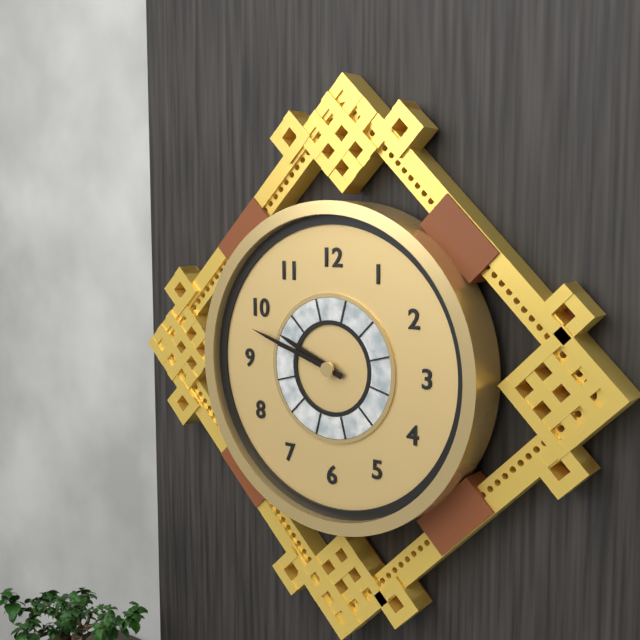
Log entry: {"hour": 9, "minute": 48}
